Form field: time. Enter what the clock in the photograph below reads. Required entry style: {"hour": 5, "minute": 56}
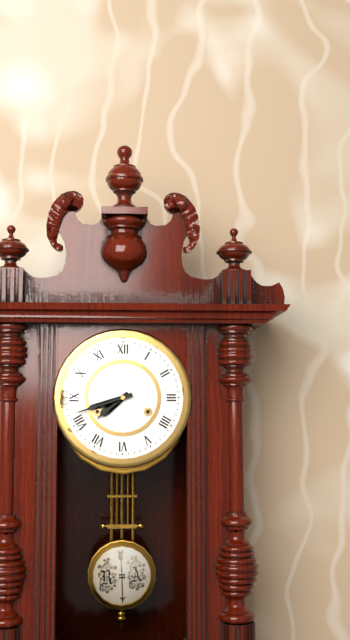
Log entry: {"hour": 7, "minute": 42}
